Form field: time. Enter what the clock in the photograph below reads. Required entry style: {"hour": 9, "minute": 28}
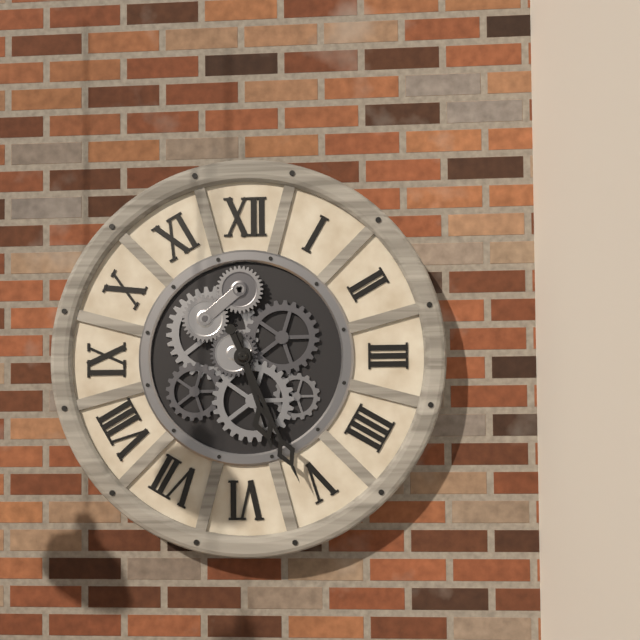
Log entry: {"hour": 5, "minute": 26}
